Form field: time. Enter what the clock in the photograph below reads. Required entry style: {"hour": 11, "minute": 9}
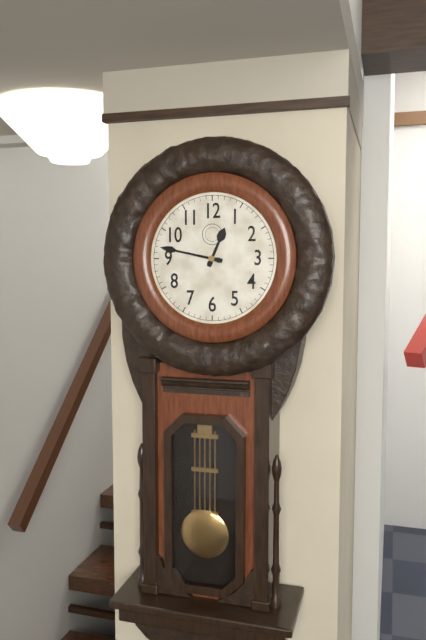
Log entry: {"hour": 12, "minute": 47}
